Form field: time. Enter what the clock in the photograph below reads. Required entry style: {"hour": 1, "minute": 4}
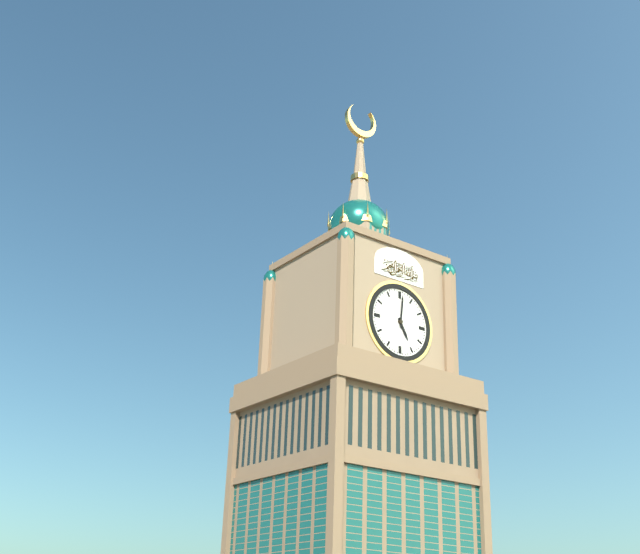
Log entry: {"hour": 5, "minute": 1}
